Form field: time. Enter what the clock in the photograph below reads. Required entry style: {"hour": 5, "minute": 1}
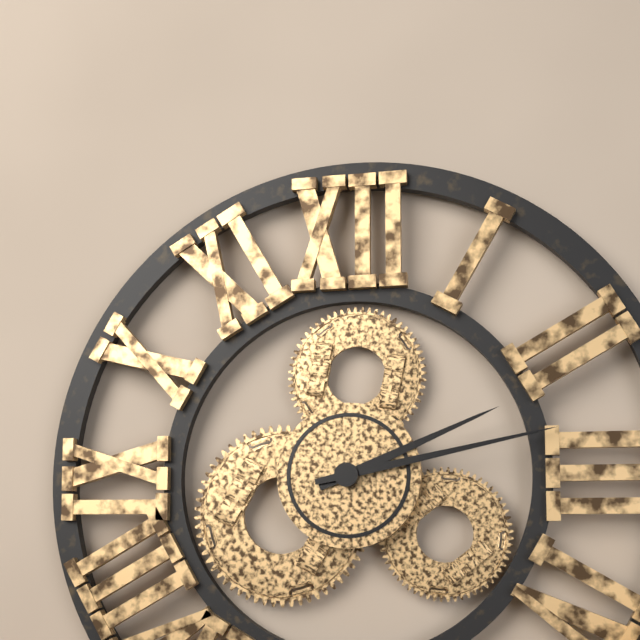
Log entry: {"hour": 2, "minute": 13}
